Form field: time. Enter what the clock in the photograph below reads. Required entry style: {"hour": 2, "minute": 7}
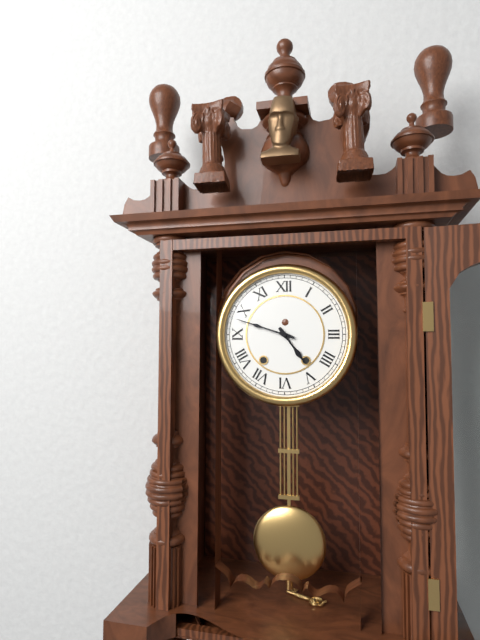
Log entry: {"hour": 4, "minute": 48}
